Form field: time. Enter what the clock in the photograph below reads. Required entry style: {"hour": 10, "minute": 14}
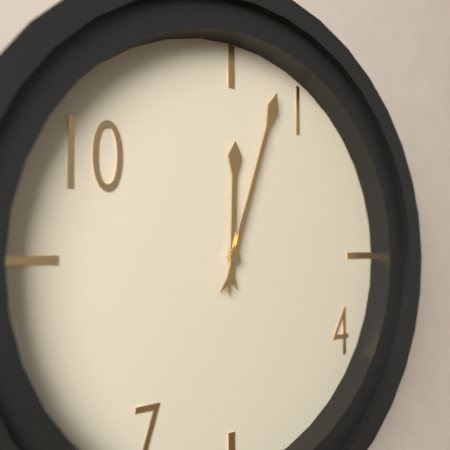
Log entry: {"hour": 12, "minute": 3}
